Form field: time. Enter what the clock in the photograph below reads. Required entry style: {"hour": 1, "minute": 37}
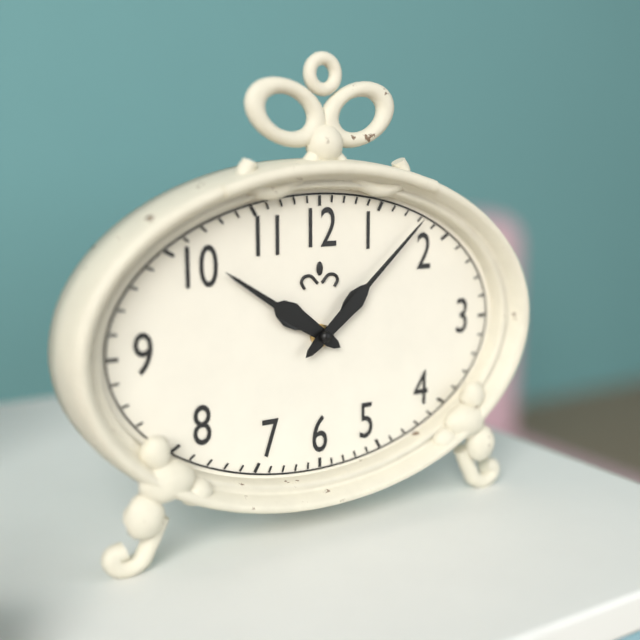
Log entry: {"hour": 10, "minute": 8}
